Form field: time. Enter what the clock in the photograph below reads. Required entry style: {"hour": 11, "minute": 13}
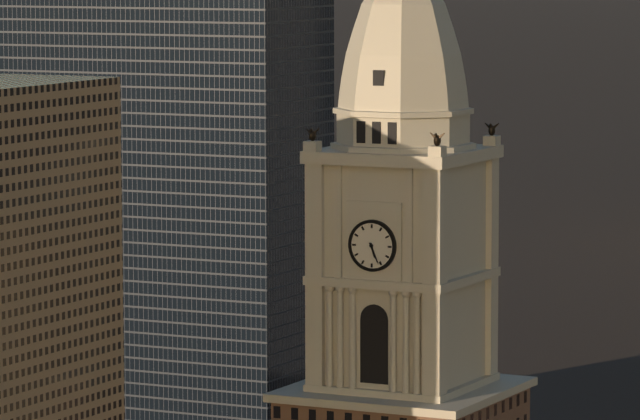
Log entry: {"hour": 5, "minute": 26}
